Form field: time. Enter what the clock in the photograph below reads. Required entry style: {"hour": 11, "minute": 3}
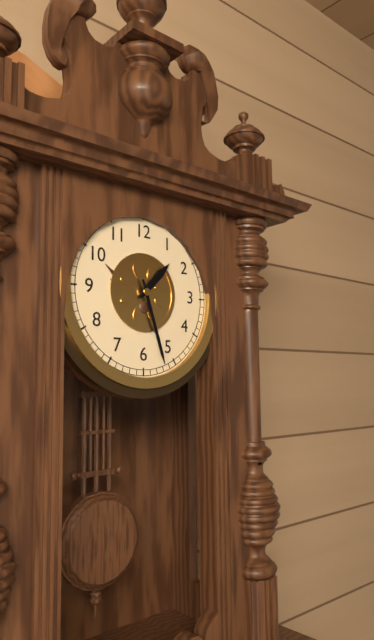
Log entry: {"hour": 1, "minute": 27}
